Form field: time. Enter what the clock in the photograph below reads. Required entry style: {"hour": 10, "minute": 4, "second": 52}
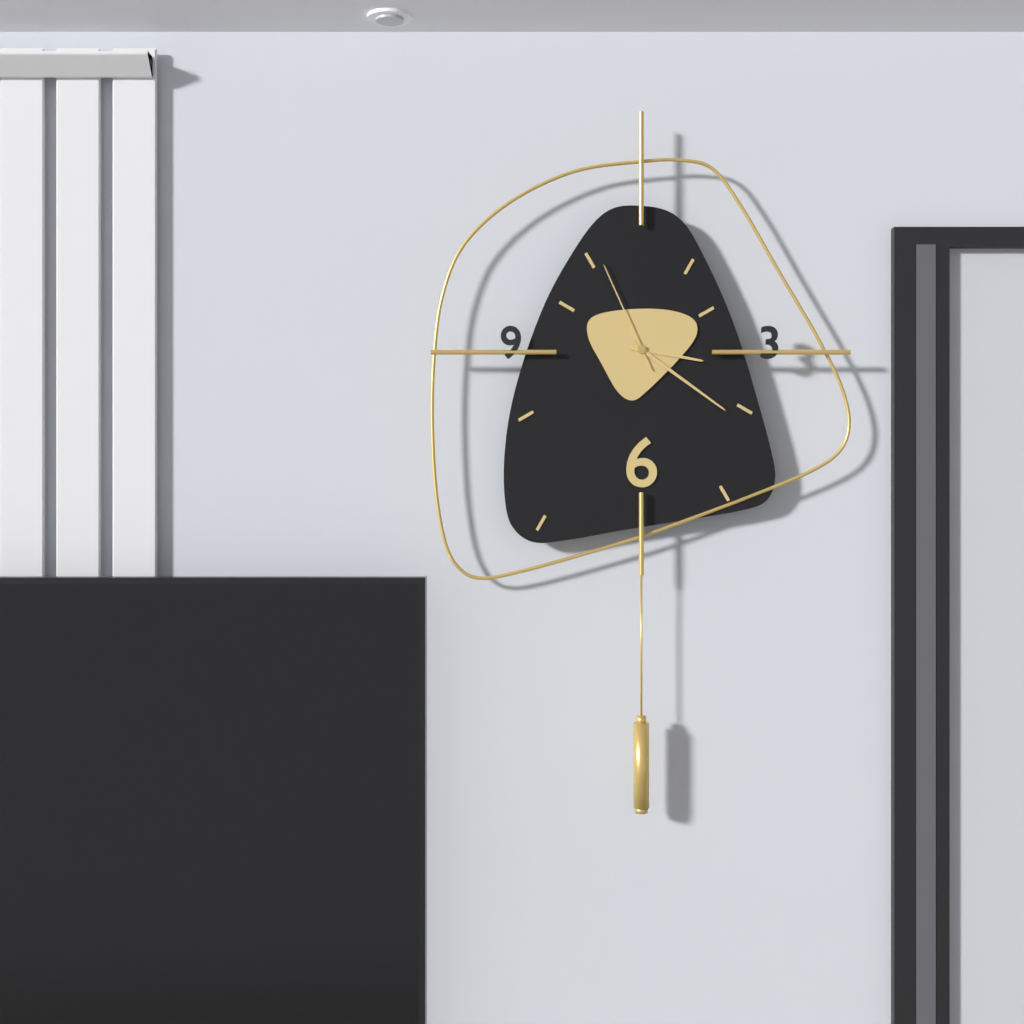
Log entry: {"hour": 3, "minute": 21, "second": 56}
